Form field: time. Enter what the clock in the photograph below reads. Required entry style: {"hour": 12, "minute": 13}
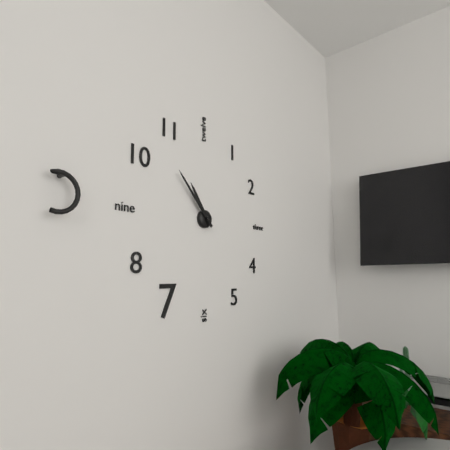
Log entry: {"hour": 10, "minute": 53}
